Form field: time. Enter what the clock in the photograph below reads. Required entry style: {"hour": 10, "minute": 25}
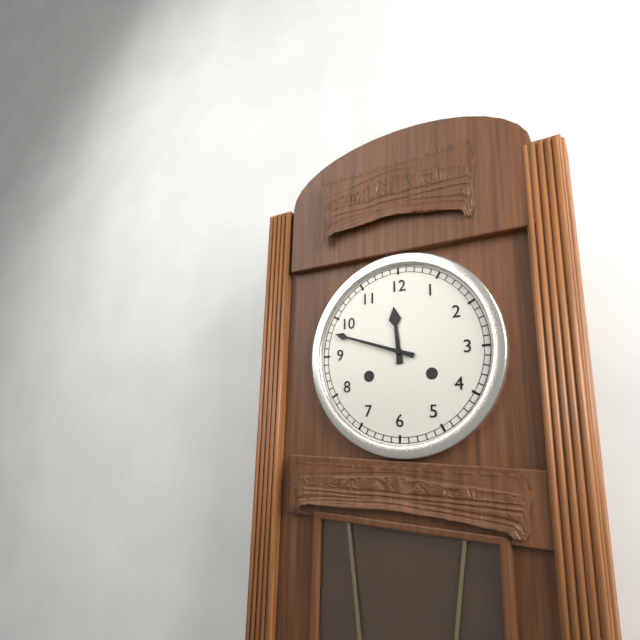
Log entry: {"hour": 11, "minute": 48}
